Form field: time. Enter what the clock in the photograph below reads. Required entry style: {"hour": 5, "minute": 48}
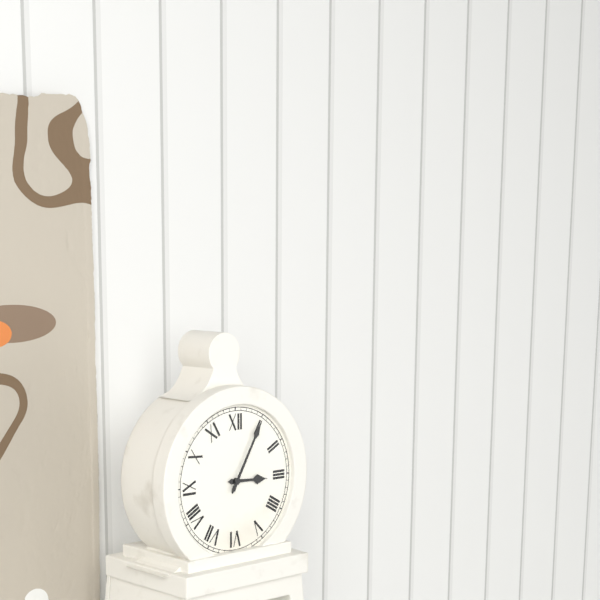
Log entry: {"hour": 3, "minute": 5}
